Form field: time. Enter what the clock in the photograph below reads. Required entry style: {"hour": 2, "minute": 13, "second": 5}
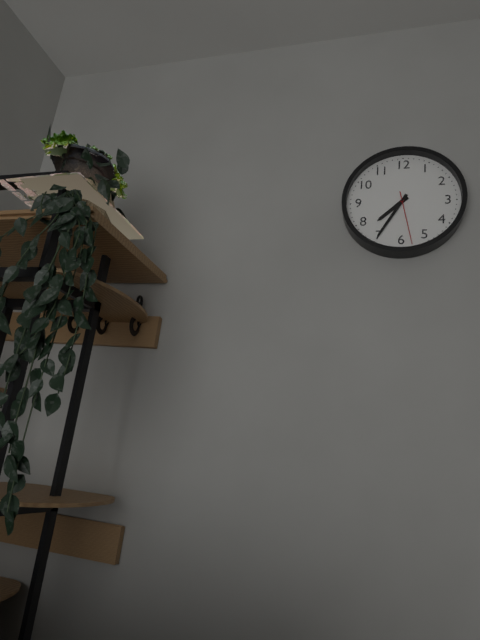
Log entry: {"hour": 7, "minute": 35, "second": 28}
